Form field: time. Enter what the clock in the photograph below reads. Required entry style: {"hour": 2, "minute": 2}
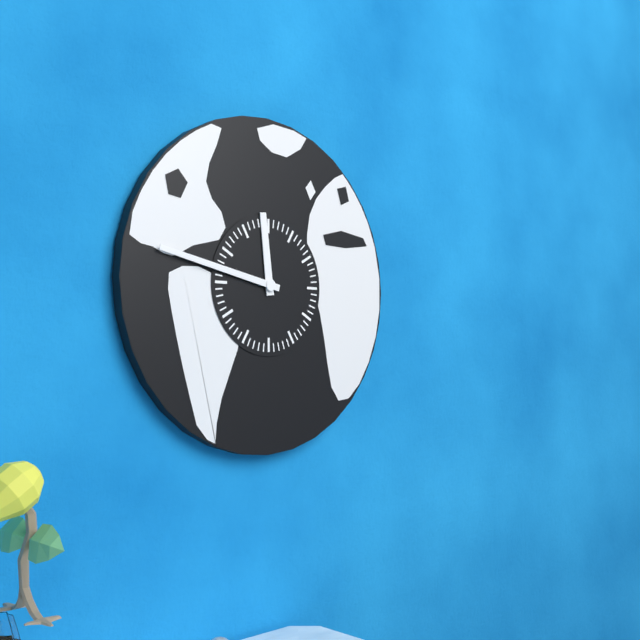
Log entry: {"hour": 11, "minute": 47}
